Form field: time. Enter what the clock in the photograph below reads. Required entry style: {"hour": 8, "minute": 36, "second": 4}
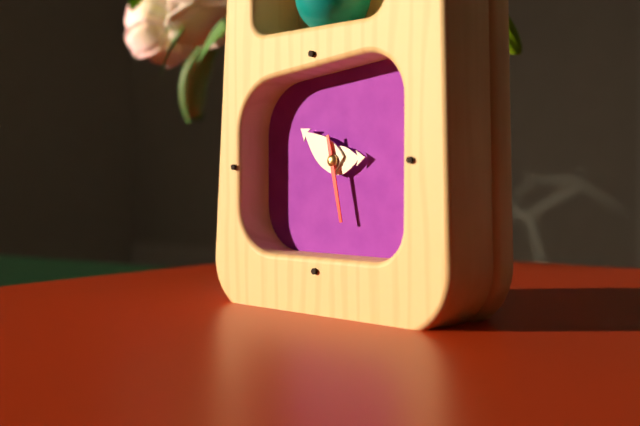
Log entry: {"hour": 2, "minute": 51, "second": 28}
